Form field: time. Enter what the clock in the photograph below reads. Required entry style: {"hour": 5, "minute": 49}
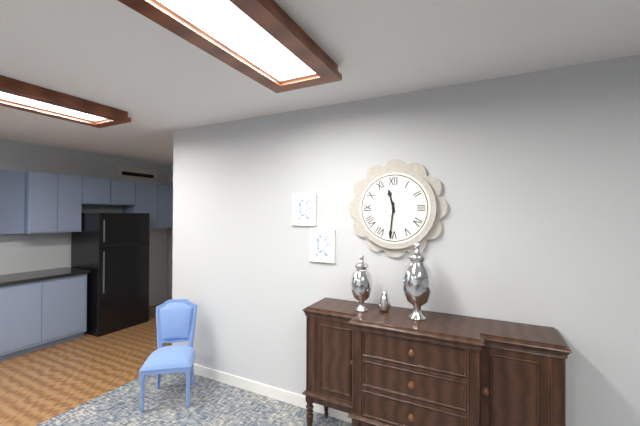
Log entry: {"hour": 11, "minute": 31}
